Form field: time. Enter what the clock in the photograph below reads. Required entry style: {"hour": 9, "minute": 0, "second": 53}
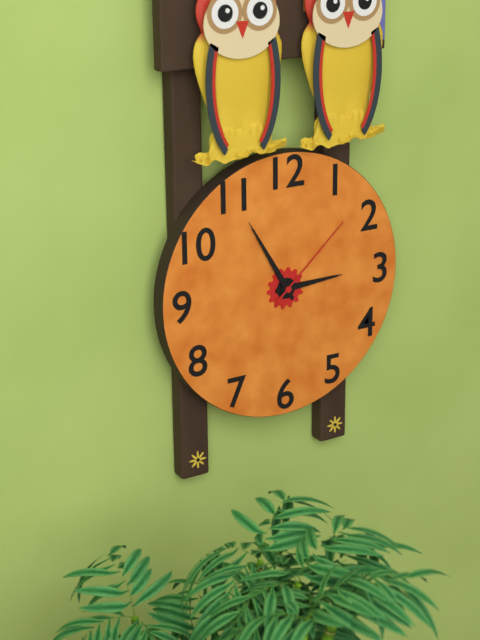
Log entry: {"hour": 2, "minute": 55, "second": 8}
